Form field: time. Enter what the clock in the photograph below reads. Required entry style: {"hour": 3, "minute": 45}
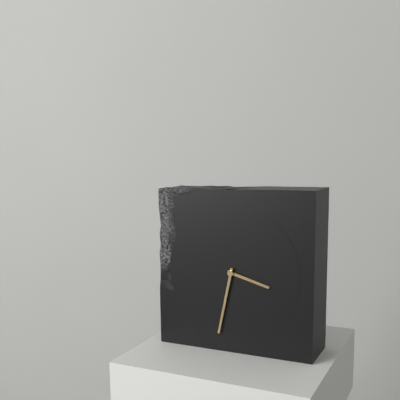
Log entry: {"hour": 3, "minute": 32}
